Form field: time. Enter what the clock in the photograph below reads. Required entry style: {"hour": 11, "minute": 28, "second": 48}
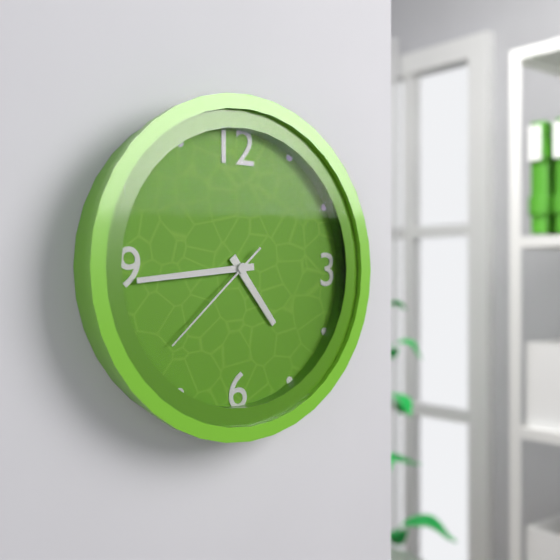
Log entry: {"hour": 4, "minute": 44, "second": 38}
